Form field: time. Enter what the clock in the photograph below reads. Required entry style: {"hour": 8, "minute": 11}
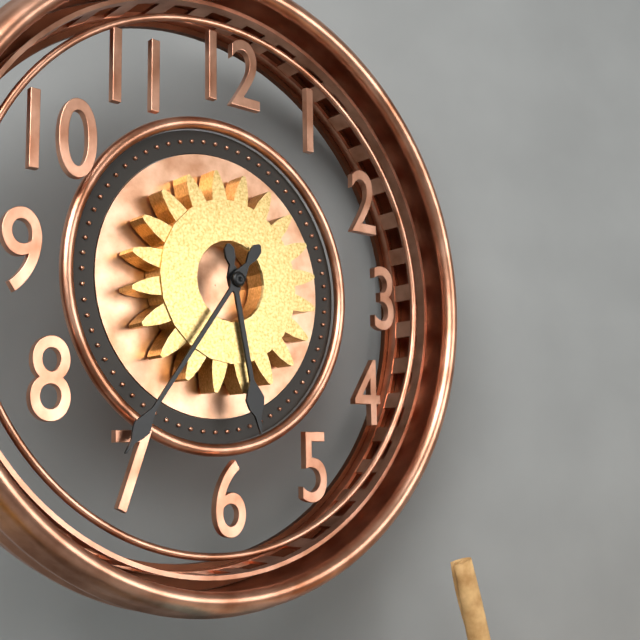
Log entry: {"hour": 5, "minute": 36}
